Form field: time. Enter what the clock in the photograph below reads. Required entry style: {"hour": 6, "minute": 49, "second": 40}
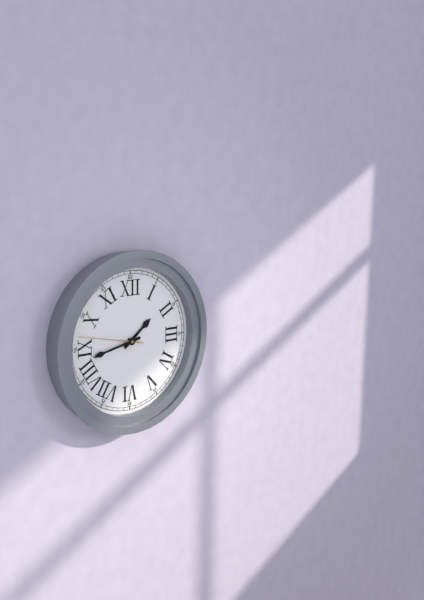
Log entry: {"hour": 1, "minute": 43, "second": 47}
